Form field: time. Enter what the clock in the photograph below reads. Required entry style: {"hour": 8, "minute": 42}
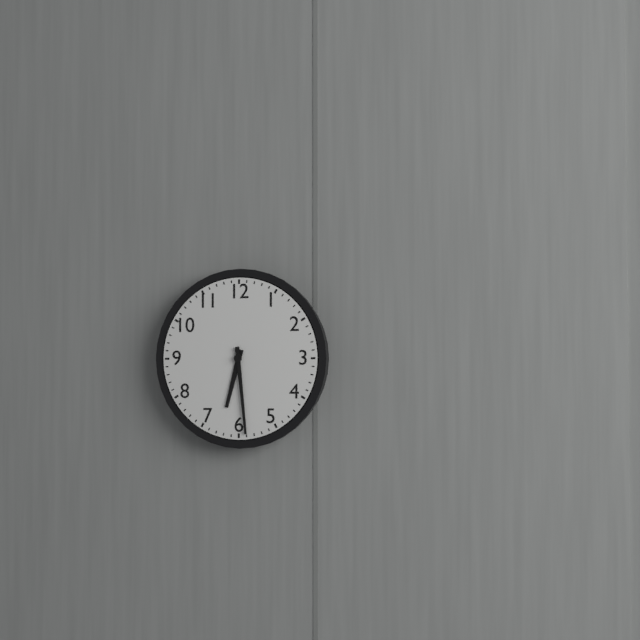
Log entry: {"hour": 6, "minute": 29}
